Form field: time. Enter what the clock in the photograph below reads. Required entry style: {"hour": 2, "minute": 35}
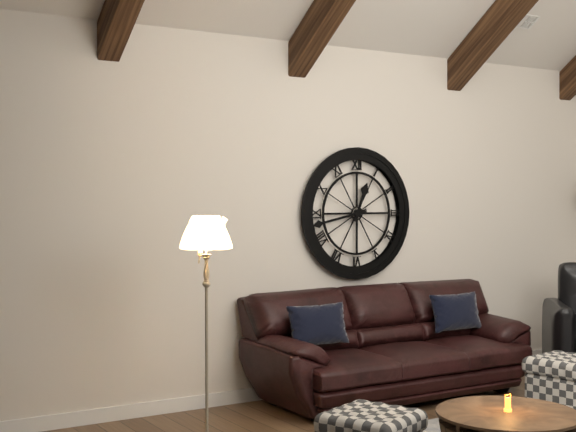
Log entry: {"hour": 12, "minute": 43}
